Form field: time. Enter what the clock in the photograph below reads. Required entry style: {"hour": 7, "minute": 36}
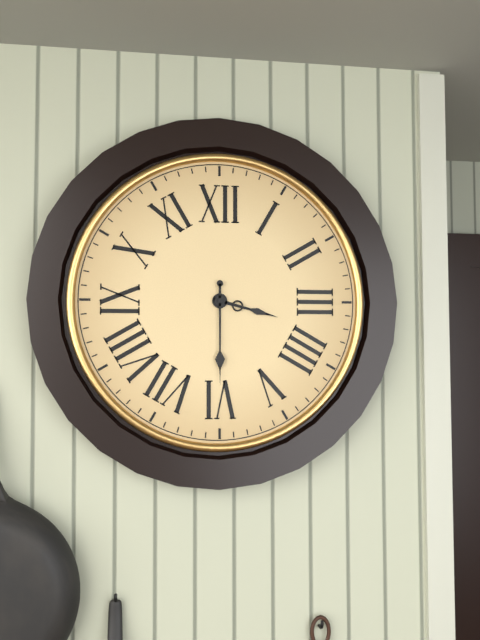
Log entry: {"hour": 3, "minute": 30}
